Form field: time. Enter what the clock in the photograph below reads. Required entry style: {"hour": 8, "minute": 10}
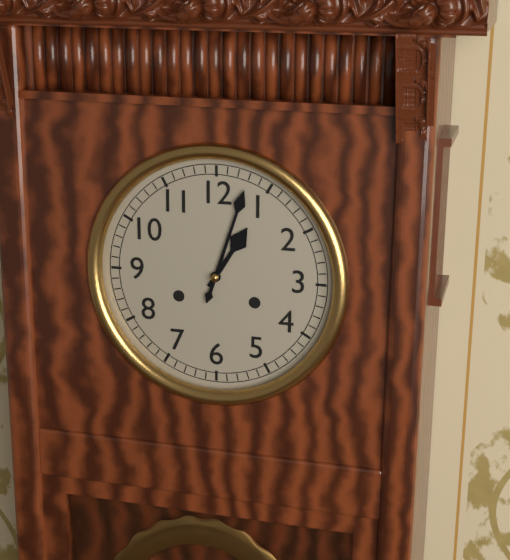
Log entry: {"hour": 1, "minute": 3}
